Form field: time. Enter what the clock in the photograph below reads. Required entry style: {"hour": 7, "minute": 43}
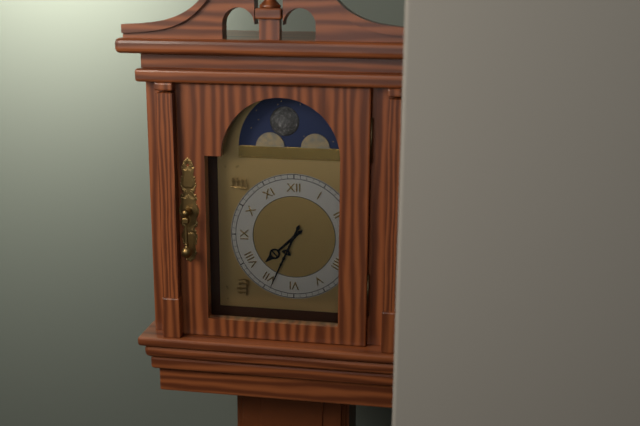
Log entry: {"hour": 7, "minute": 34}
